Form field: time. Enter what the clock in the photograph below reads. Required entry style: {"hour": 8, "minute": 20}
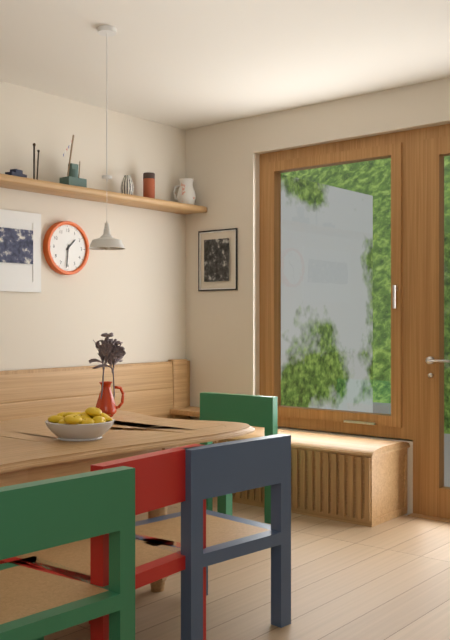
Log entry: {"hour": 1, "minute": 31}
